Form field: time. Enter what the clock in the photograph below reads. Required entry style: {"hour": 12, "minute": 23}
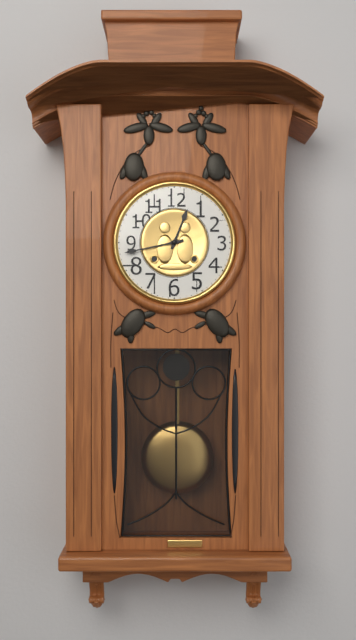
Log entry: {"hour": 12, "minute": 43}
